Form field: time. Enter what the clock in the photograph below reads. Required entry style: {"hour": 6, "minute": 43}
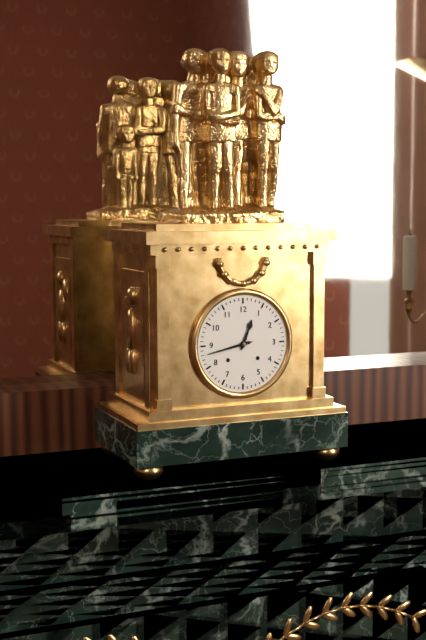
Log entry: {"hour": 12, "minute": 43}
